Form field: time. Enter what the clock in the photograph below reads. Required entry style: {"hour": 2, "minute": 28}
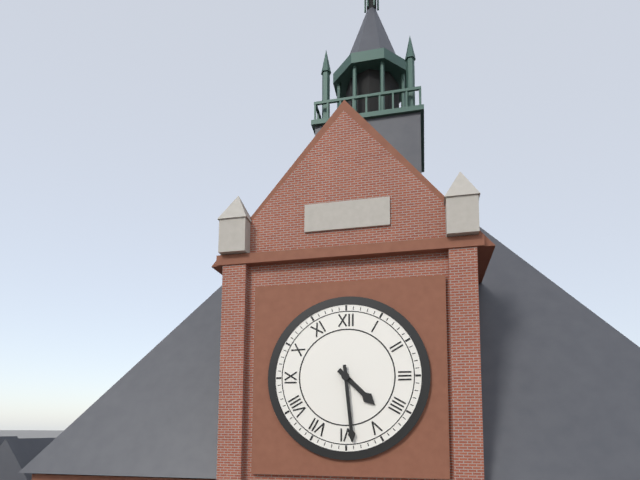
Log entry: {"hour": 4, "minute": 29}
